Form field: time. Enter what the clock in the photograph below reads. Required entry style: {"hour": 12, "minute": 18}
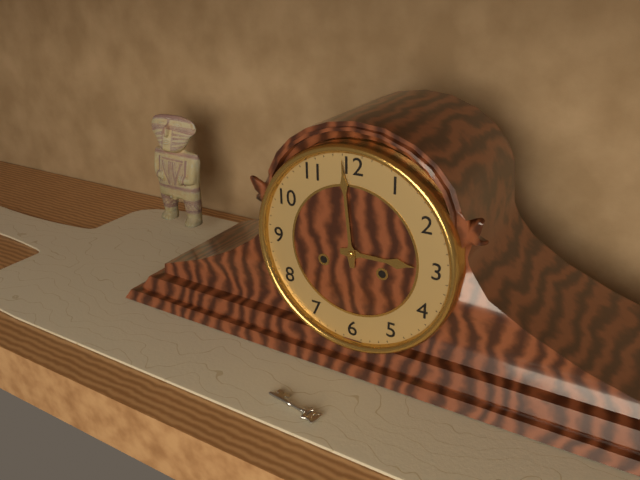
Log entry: {"hour": 2, "minute": 59}
